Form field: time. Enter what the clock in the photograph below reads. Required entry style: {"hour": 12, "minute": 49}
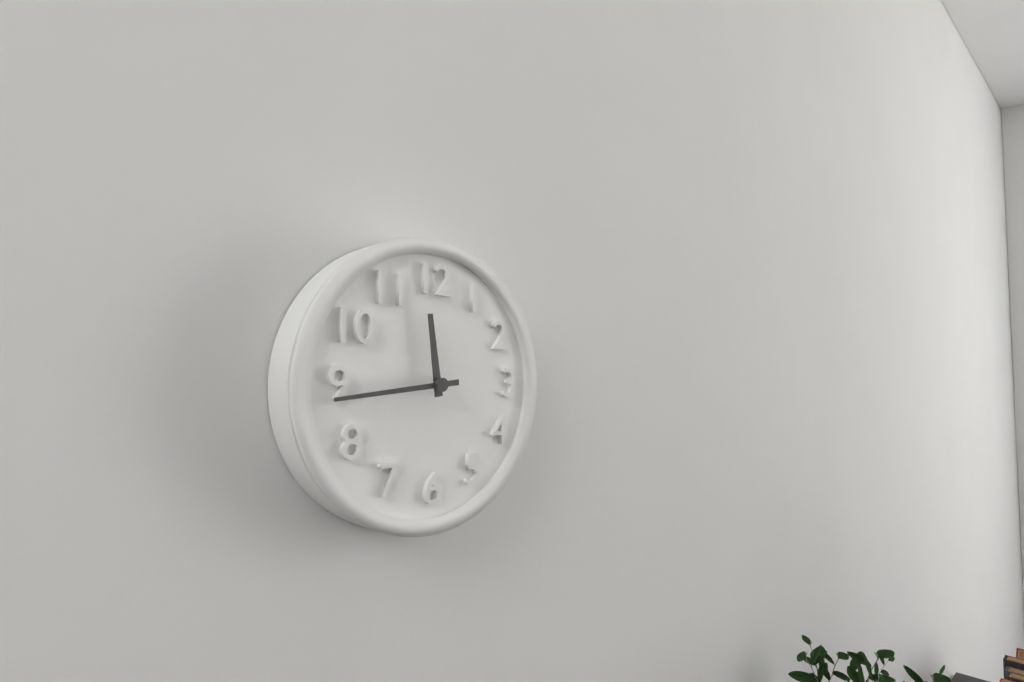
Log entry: {"hour": 11, "minute": 44}
